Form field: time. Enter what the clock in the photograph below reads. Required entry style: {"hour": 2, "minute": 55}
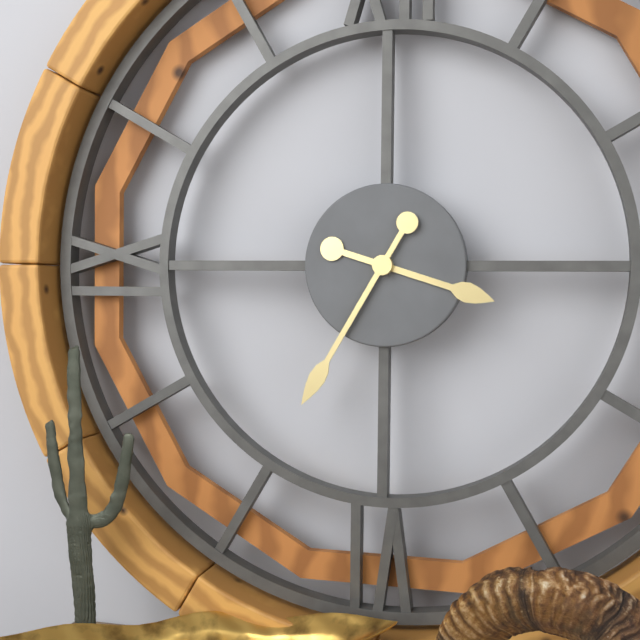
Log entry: {"hour": 3, "minute": 35}
